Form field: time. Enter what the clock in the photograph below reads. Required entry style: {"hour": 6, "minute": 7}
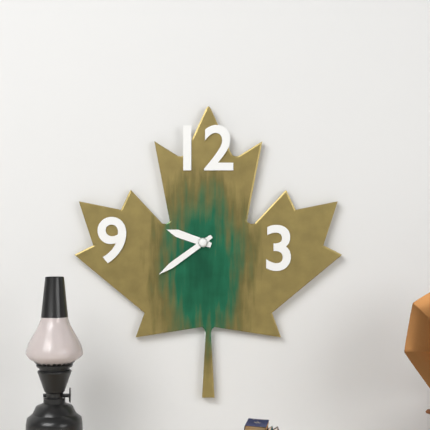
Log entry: {"hour": 9, "minute": 39}
